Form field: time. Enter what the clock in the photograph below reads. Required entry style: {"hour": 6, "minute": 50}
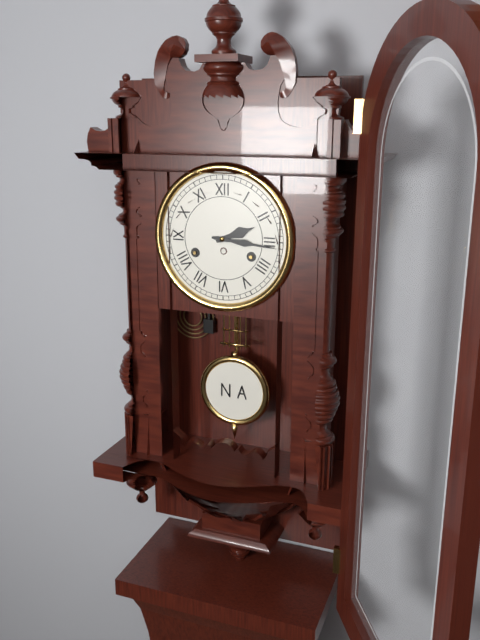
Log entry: {"hour": 2, "minute": 16}
